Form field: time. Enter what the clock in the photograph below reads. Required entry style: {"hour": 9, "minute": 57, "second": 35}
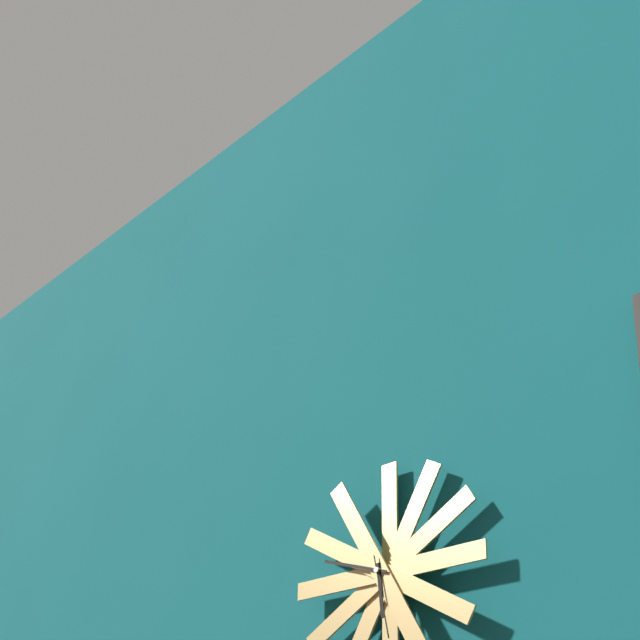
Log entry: {"hour": 5, "minute": 48, "second": 28}
